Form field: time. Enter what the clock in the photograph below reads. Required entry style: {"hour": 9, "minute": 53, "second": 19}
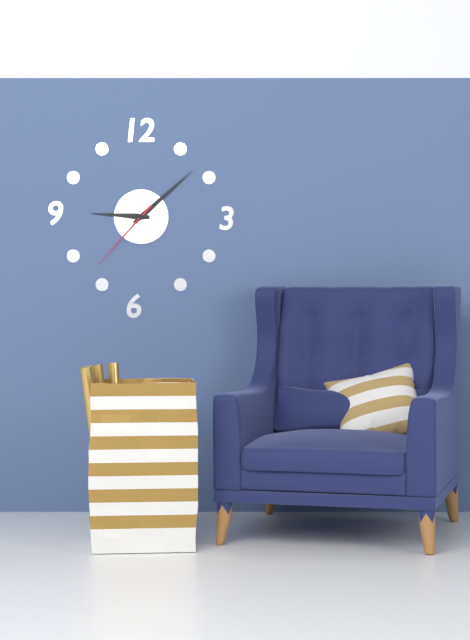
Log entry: {"hour": 9, "minute": 8, "second": 37}
